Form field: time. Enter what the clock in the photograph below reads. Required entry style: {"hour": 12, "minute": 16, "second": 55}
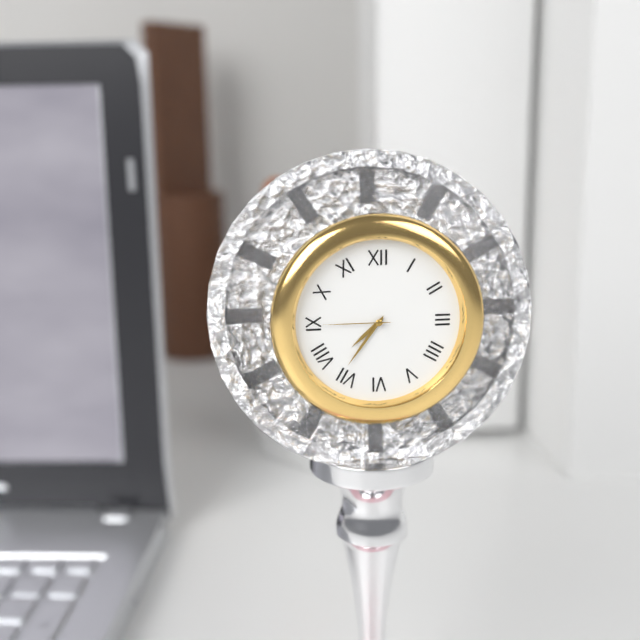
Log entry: {"hour": 7, "minute": 36, "second": 45}
